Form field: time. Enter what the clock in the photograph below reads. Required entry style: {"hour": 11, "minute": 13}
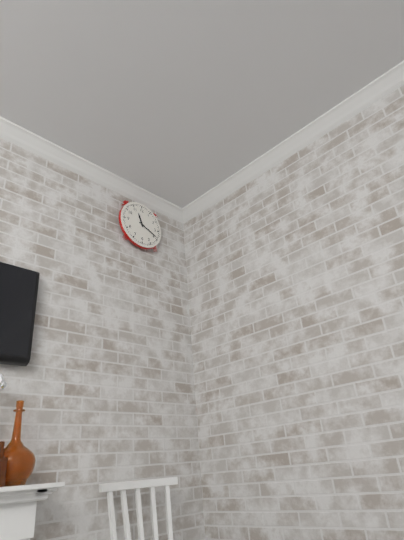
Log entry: {"hour": 11, "minute": 19}
